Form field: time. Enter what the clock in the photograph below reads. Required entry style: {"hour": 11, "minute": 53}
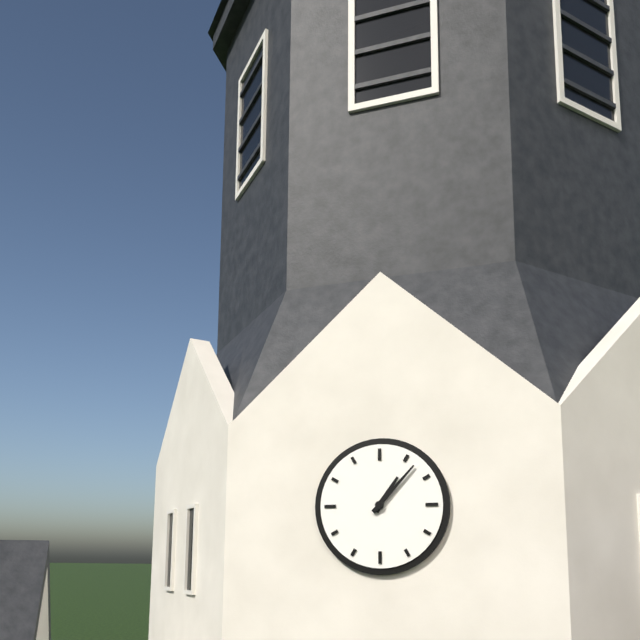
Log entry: {"hour": 1, "minute": 7}
